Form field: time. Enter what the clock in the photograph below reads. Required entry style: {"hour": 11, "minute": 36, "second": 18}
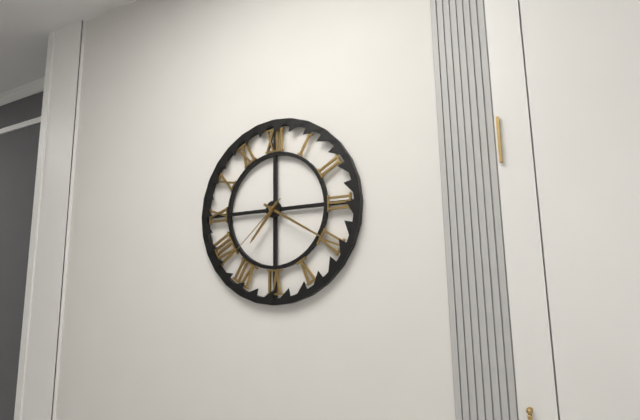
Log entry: {"hour": 7, "minute": 20, "second": 38}
